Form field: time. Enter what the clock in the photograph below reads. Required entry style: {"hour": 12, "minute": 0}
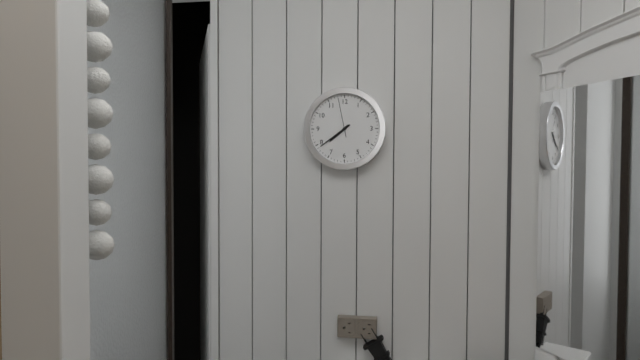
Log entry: {"hour": 7, "minute": 39}
